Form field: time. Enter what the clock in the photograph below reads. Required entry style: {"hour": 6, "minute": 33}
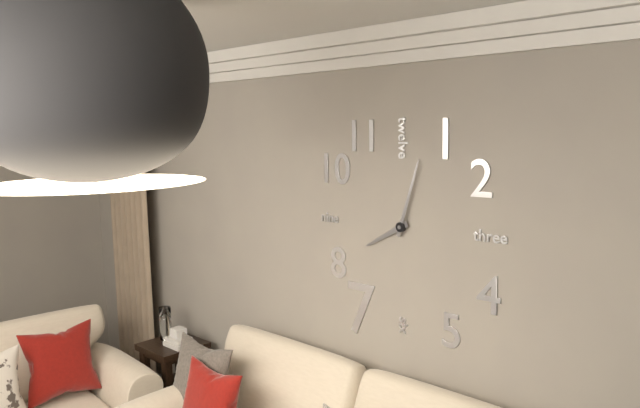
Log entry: {"hour": 8, "minute": 3}
